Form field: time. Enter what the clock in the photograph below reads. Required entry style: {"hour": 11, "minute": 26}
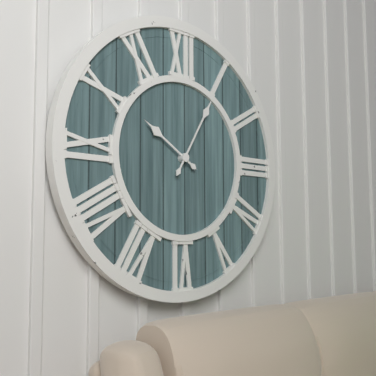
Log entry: {"hour": 10, "minute": 5}
